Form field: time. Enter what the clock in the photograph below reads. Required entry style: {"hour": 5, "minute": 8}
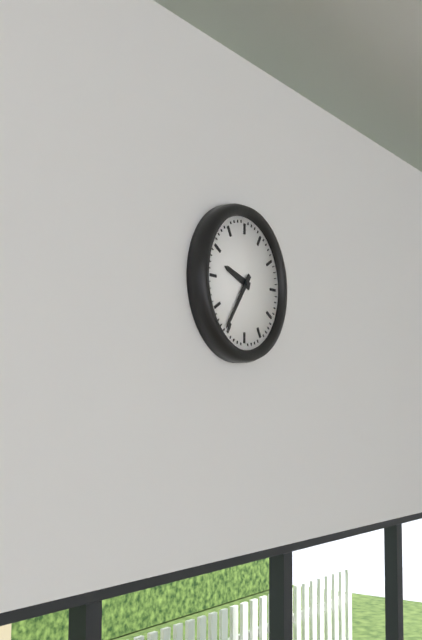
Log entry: {"hour": 9, "minute": 36}
